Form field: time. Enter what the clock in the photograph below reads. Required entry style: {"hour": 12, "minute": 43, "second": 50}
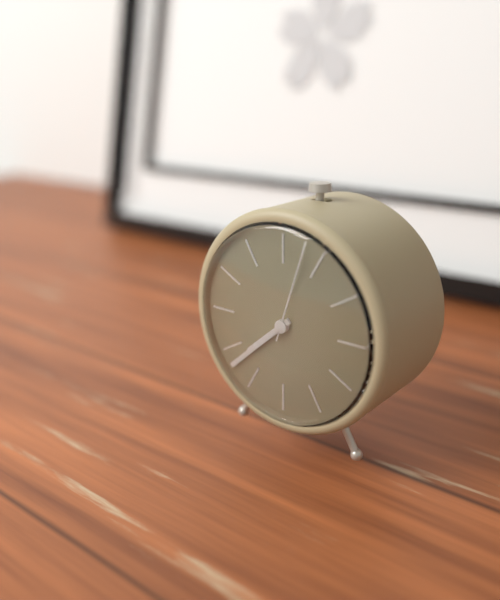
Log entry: {"hour": 7, "minute": 38, "second": 3}
